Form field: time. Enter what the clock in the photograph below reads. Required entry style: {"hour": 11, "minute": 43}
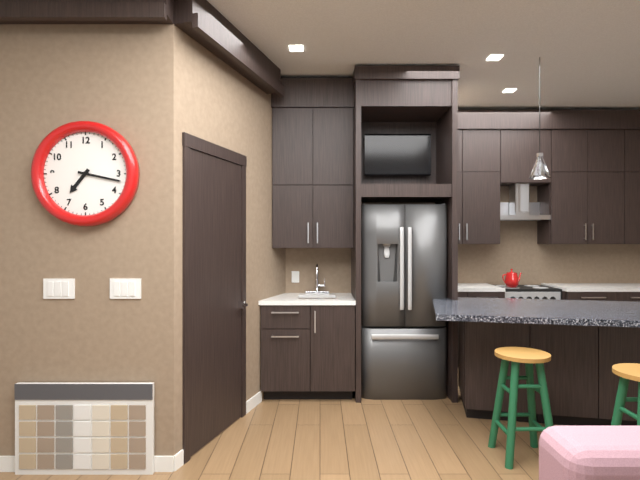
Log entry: {"hour": 7, "minute": 17}
